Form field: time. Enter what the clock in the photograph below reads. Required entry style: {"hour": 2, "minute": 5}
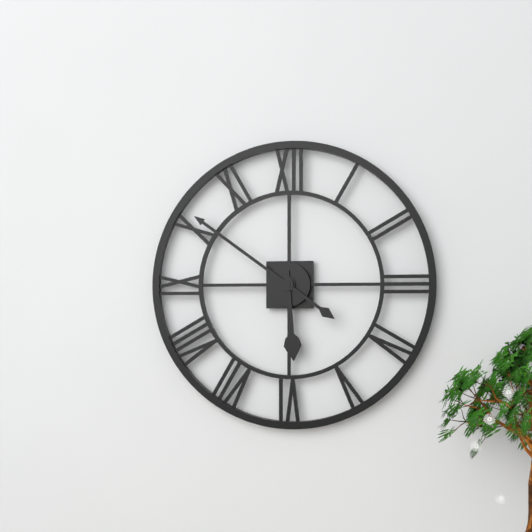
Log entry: {"hour": 5, "minute": 51}
